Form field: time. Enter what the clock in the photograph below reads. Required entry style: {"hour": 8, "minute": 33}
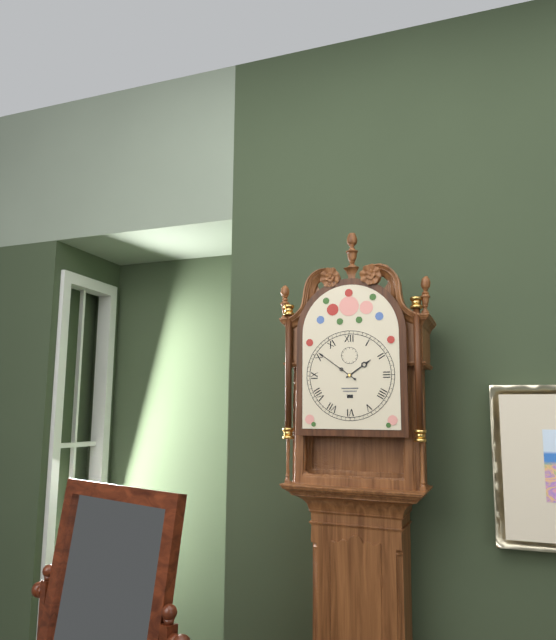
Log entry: {"hour": 1, "minute": 51}
